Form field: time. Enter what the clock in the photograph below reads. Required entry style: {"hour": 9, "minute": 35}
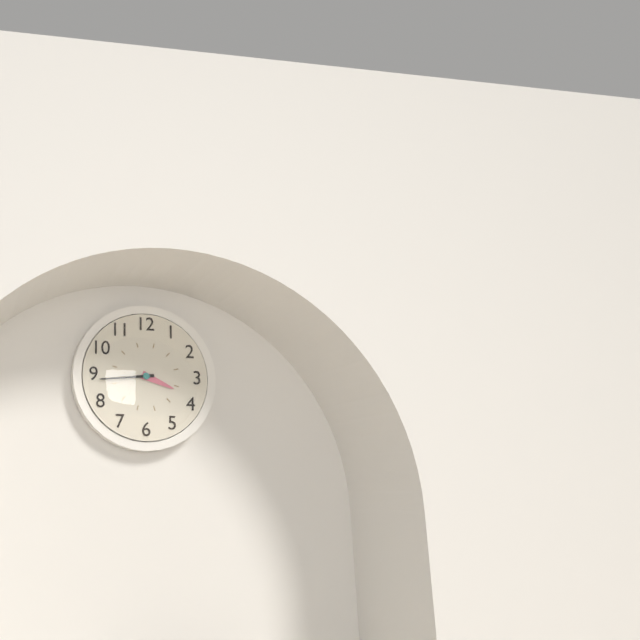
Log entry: {"hour": 3, "minute": 44}
